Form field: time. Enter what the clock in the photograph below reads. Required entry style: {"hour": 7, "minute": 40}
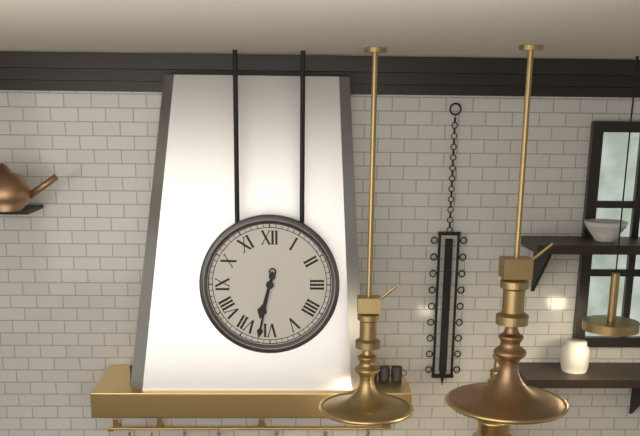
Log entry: {"hour": 6, "minute": 32}
